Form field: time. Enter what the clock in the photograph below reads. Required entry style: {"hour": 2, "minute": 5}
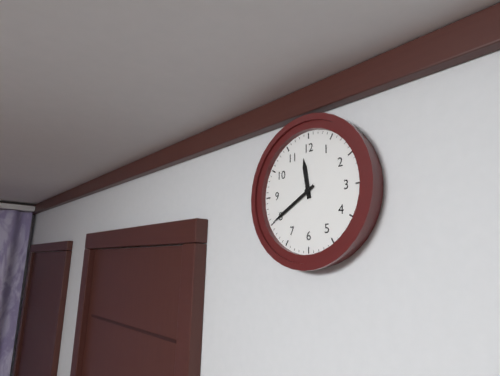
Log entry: {"hour": 11, "minute": 40}
